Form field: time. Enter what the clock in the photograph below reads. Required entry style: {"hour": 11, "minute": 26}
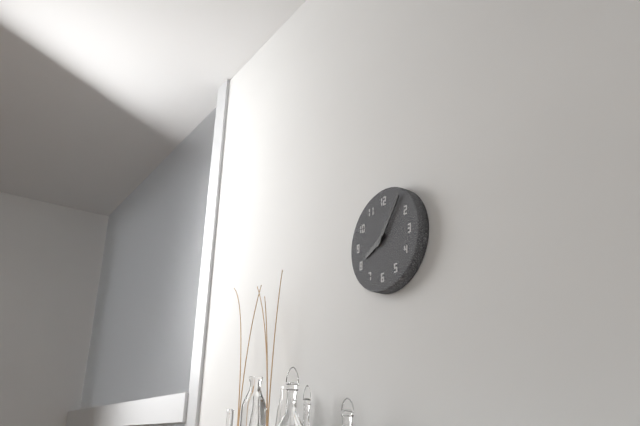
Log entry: {"hour": 8, "minute": 6}
